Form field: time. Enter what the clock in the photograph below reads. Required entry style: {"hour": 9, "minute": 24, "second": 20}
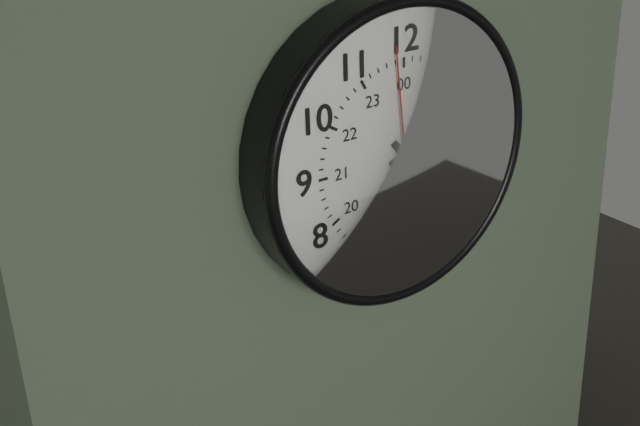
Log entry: {"hour": 2, "minute": 24, "second": 59}
